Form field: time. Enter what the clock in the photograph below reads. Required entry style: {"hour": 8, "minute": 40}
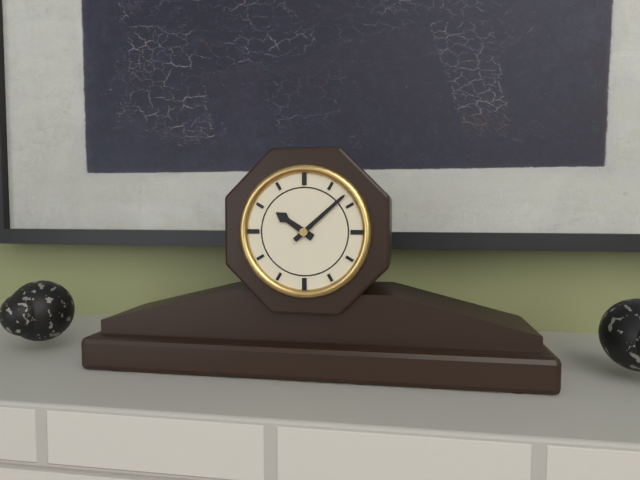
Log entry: {"hour": 10, "minute": 8}
